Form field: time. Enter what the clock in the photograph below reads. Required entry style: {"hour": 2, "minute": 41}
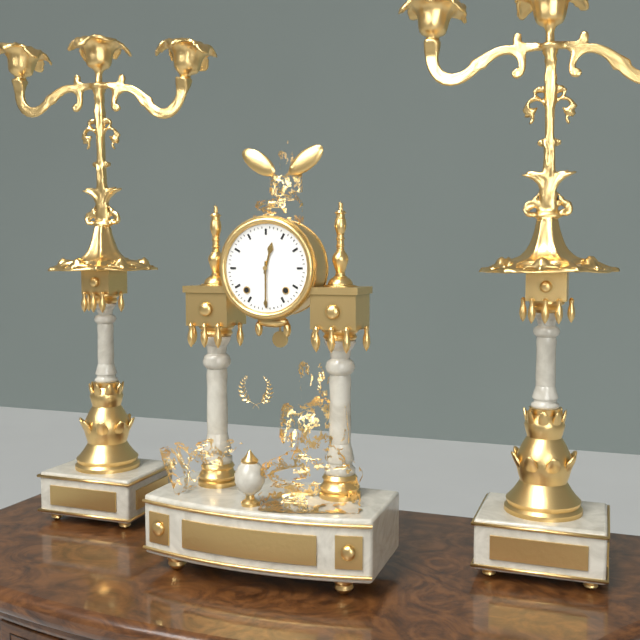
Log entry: {"hour": 12, "minute": 30}
